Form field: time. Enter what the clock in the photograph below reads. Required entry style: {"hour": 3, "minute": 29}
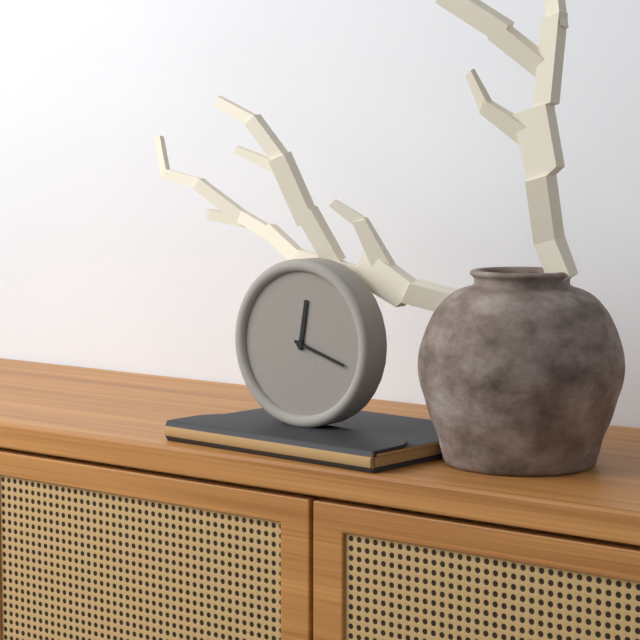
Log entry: {"hour": 12, "minute": 18}
